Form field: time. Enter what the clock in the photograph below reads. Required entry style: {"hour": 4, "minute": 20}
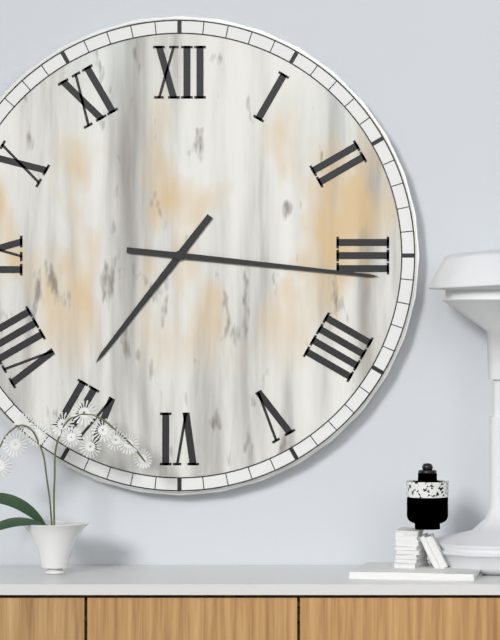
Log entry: {"hour": 7, "minute": 16}
